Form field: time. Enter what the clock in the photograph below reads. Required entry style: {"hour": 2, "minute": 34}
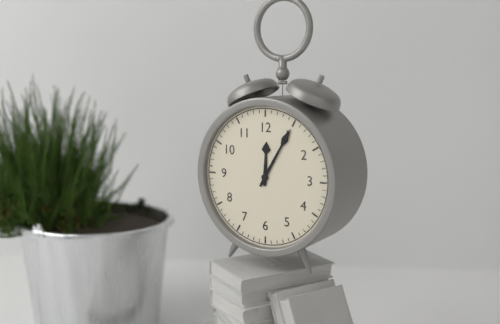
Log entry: {"hour": 12, "minute": 5}
